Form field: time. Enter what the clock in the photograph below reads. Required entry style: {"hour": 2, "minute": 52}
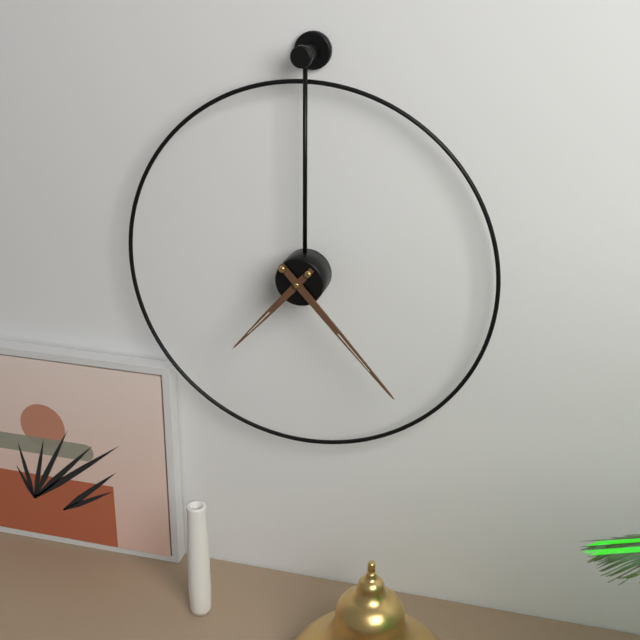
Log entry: {"hour": 7, "minute": 23}
